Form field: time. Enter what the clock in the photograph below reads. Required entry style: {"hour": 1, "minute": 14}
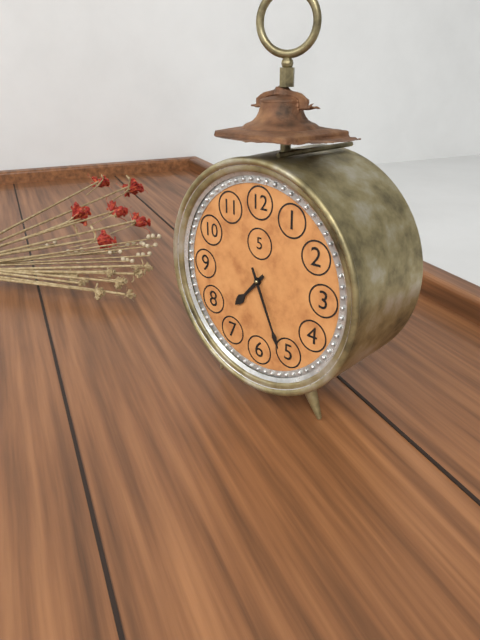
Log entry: {"hour": 7, "minute": 26}
